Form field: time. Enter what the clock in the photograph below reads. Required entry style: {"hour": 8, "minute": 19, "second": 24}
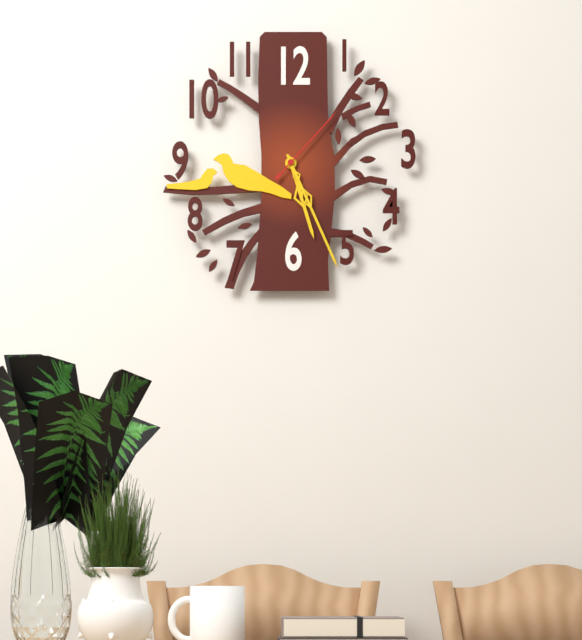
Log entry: {"hour": 5, "minute": 26, "second": 7}
